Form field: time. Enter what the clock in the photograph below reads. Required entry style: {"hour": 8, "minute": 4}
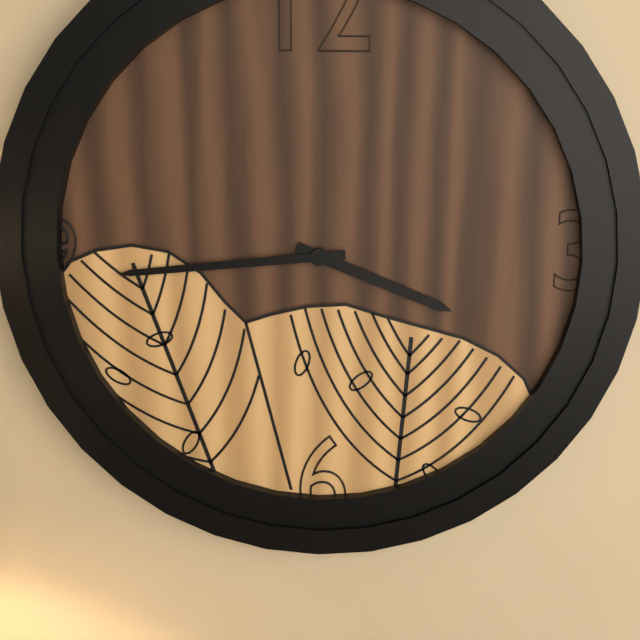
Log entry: {"hour": 3, "minute": 44}
